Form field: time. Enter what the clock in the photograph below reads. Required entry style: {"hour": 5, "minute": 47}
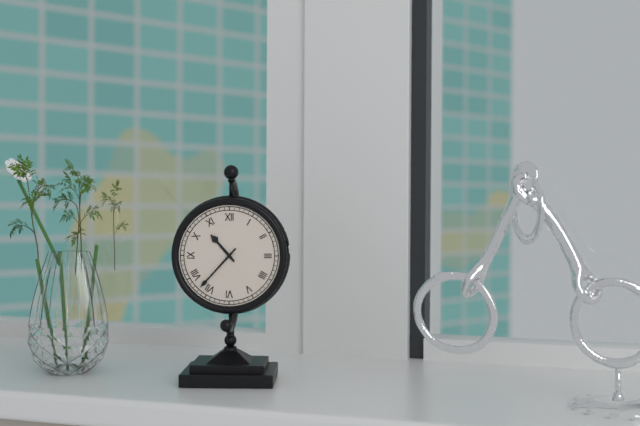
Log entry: {"hour": 10, "minute": 37}
